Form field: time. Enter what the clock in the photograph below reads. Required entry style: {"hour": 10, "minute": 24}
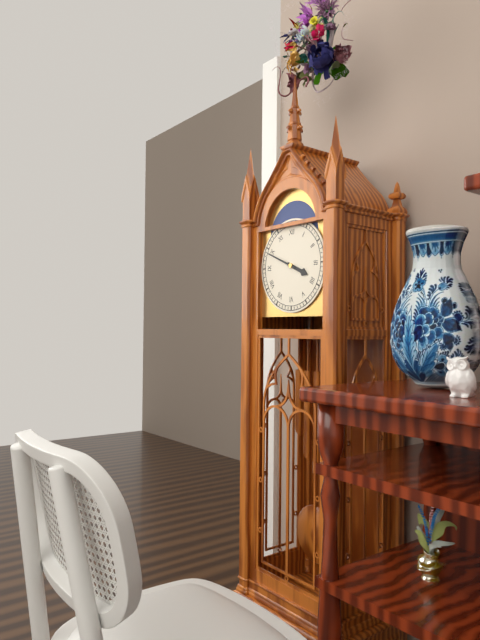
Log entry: {"hour": 3, "minute": 49}
